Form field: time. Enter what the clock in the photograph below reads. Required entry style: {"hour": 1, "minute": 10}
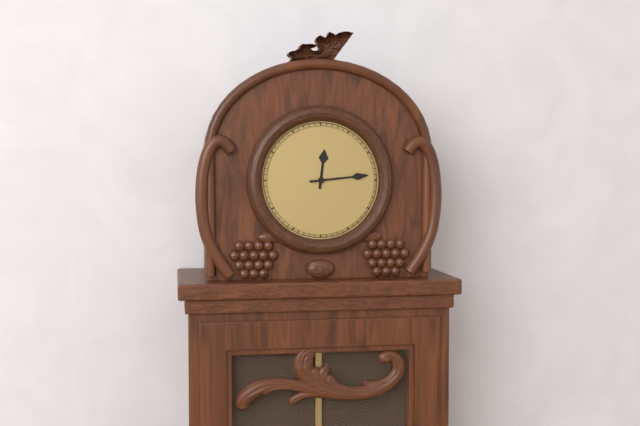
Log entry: {"hour": 12, "minute": 14}
